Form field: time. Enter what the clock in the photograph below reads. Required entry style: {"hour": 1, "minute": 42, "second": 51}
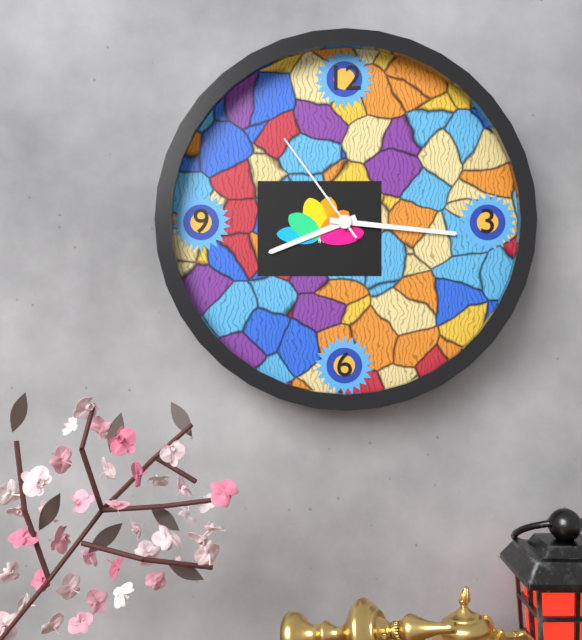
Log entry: {"hour": 8, "minute": 16, "second": 54}
